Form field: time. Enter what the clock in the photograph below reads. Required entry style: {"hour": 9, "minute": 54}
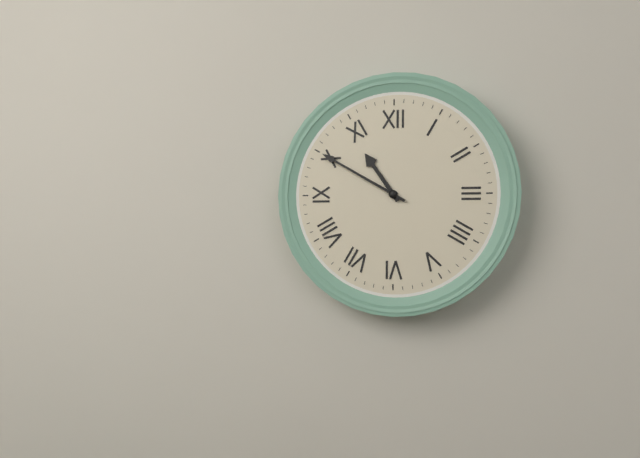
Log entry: {"hour": 10, "minute": 50}
